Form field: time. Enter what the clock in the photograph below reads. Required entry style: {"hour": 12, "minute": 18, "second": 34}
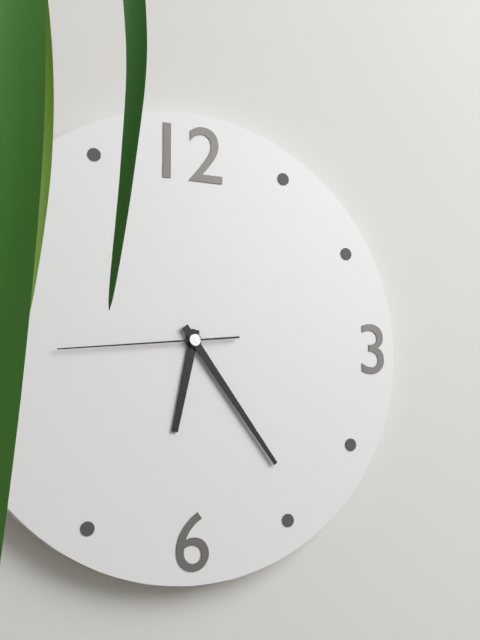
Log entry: {"hour": 6, "minute": 24, "second": 44}
